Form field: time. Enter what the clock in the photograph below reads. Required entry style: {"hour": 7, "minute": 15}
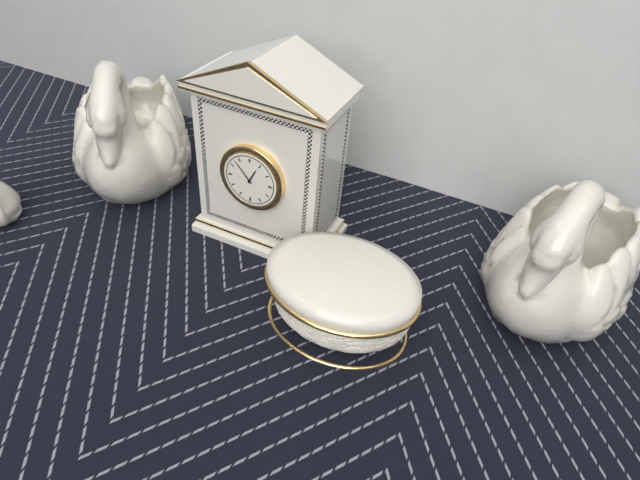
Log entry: {"hour": 12, "minute": 53}
